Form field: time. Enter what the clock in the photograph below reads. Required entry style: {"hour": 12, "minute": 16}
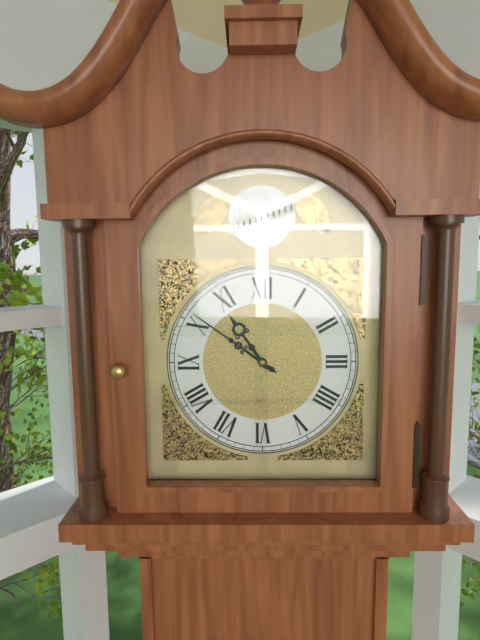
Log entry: {"hour": 10, "minute": 51}
